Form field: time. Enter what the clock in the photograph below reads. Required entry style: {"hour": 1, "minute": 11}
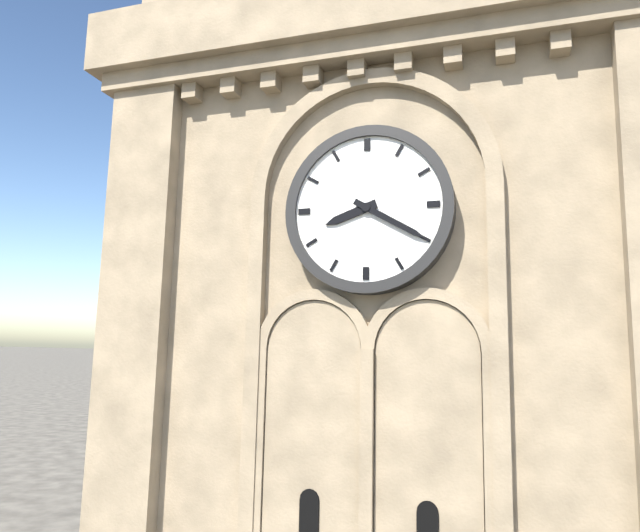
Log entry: {"hour": 8, "minute": 20}
